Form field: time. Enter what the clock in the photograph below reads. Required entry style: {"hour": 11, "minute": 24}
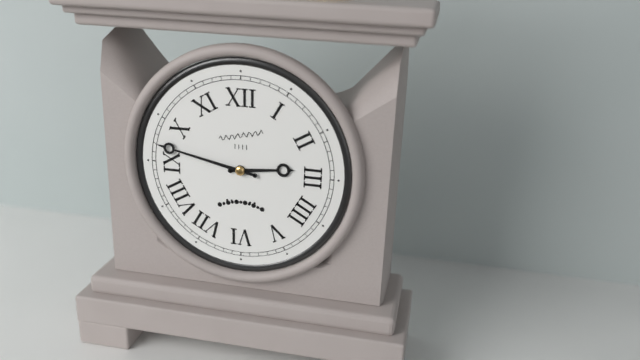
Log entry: {"hour": 2, "minute": 47}
